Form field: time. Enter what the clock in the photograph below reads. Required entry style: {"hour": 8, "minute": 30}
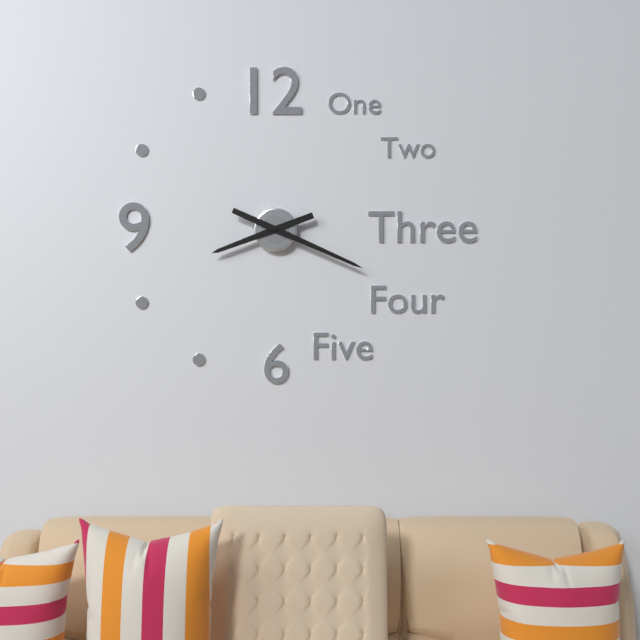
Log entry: {"hour": 8, "minute": 19}
